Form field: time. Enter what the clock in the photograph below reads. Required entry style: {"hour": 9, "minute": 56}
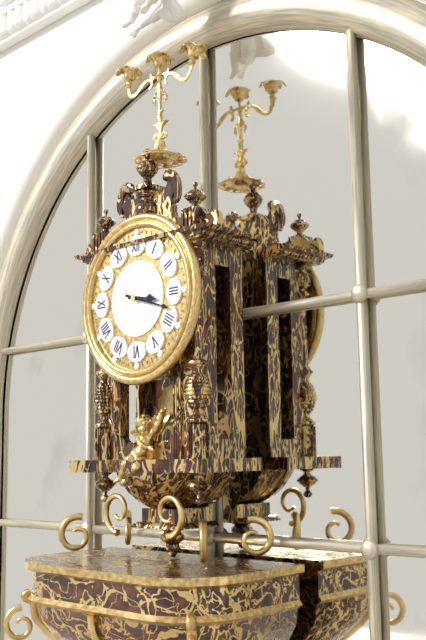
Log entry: {"hour": 3, "minute": 18}
